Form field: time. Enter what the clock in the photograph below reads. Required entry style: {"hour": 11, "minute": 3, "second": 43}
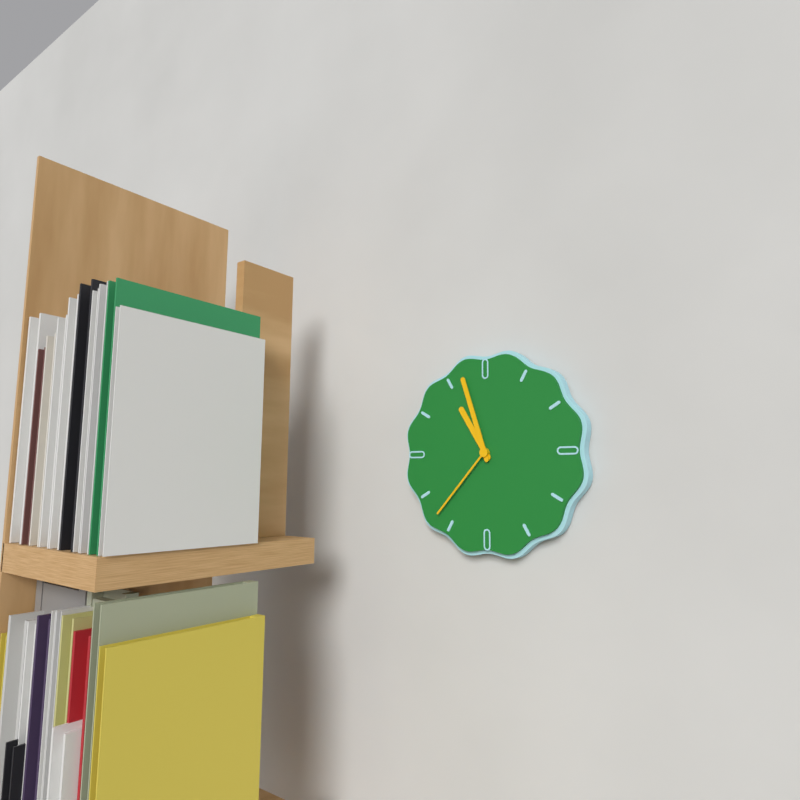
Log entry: {"hour": 10, "minute": 57, "second": 37}
